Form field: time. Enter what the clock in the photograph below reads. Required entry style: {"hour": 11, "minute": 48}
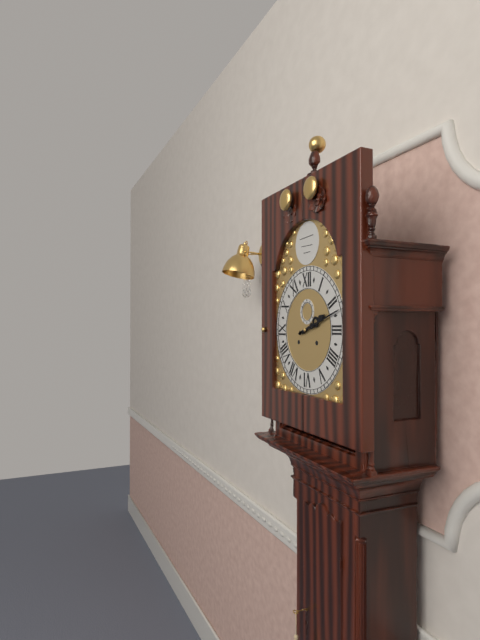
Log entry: {"hour": 2, "minute": 12}
